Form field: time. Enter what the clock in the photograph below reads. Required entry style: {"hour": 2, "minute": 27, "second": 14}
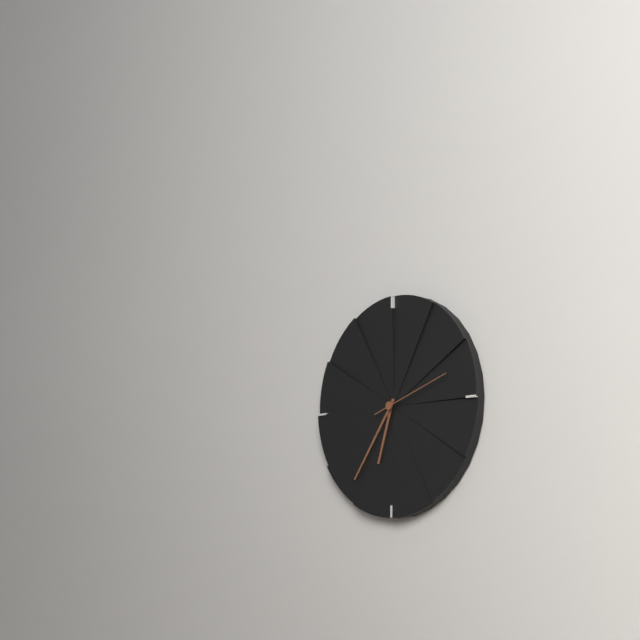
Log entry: {"hour": 6, "minute": 36, "second": 12}
